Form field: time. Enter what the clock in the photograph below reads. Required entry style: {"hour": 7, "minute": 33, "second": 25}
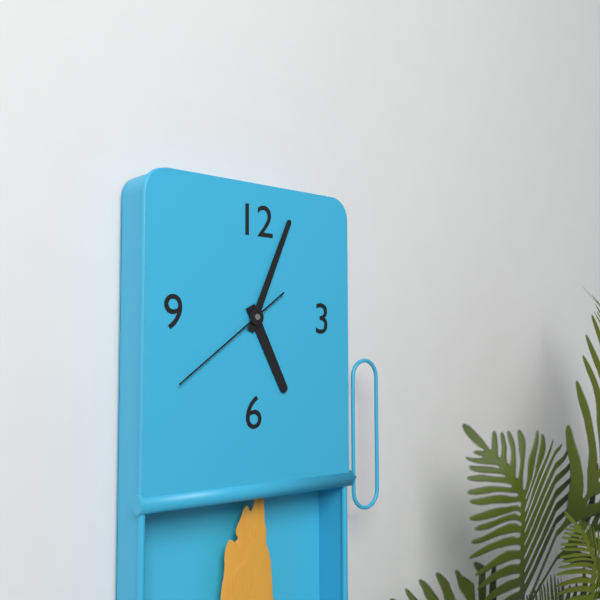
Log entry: {"hour": 5, "minute": 4, "second": 39}
